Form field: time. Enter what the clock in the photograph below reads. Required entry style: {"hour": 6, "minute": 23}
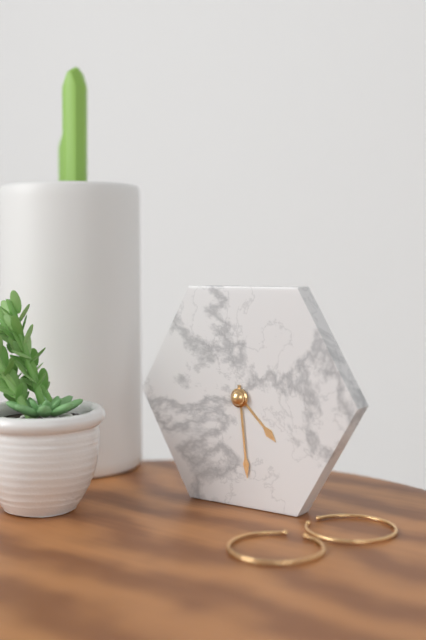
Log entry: {"hour": 4, "minute": 29}
